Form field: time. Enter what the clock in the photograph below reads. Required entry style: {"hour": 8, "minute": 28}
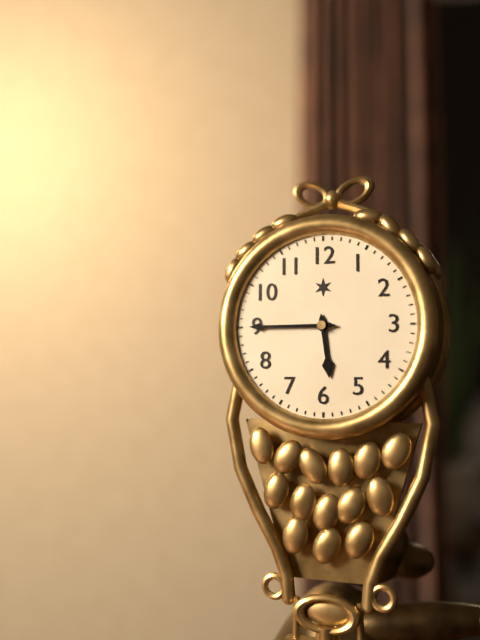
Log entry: {"hour": 5, "minute": 45}
